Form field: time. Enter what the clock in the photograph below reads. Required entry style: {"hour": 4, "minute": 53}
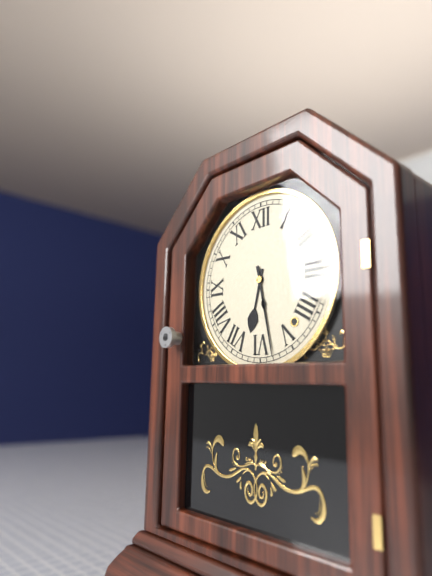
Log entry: {"hour": 6, "minute": 28}
